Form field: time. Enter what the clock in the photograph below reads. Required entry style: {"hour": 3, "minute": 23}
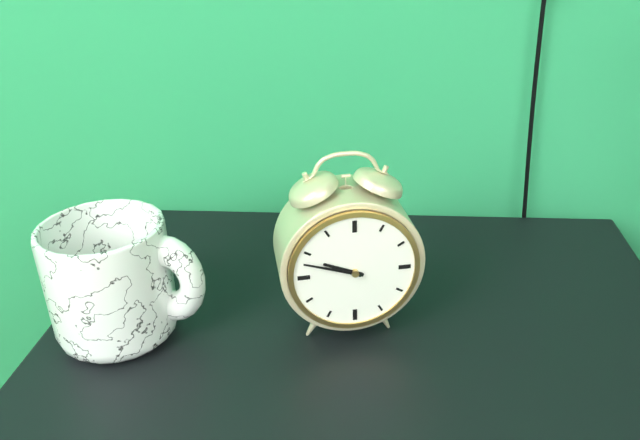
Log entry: {"hour": 9, "minute": 48}
